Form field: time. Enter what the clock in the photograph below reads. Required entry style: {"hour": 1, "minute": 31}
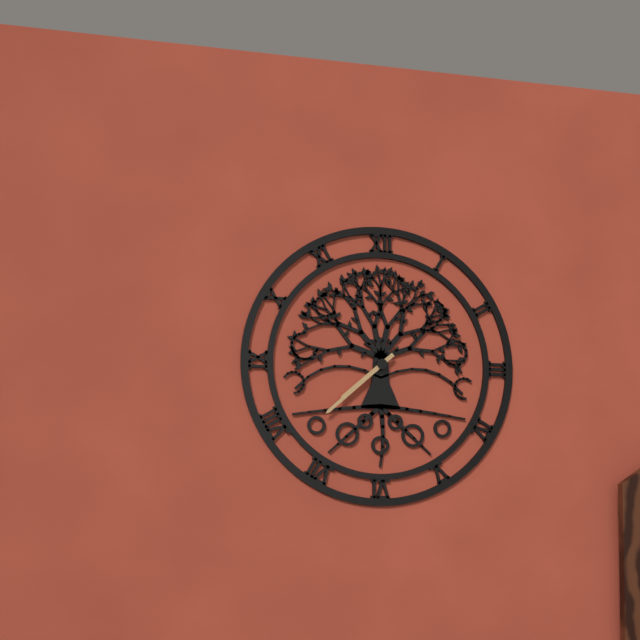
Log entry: {"hour": 7, "minute": 38}
